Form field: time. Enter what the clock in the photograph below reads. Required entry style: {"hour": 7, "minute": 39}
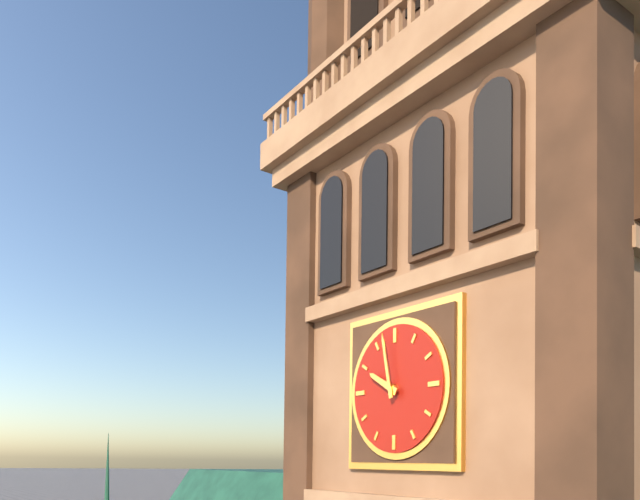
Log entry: {"hour": 9, "minute": 58}
